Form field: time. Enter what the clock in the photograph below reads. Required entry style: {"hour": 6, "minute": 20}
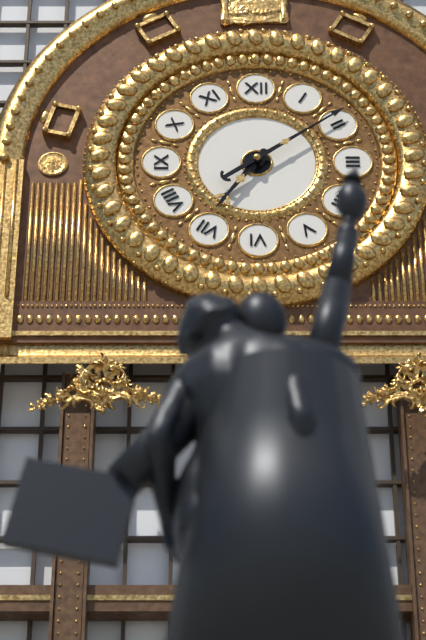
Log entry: {"hour": 7, "minute": 9}
